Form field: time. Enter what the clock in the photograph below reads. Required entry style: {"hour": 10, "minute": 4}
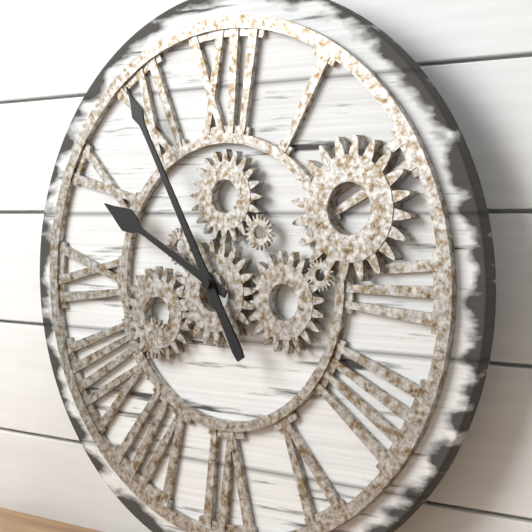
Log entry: {"hour": 9, "minute": 55}
